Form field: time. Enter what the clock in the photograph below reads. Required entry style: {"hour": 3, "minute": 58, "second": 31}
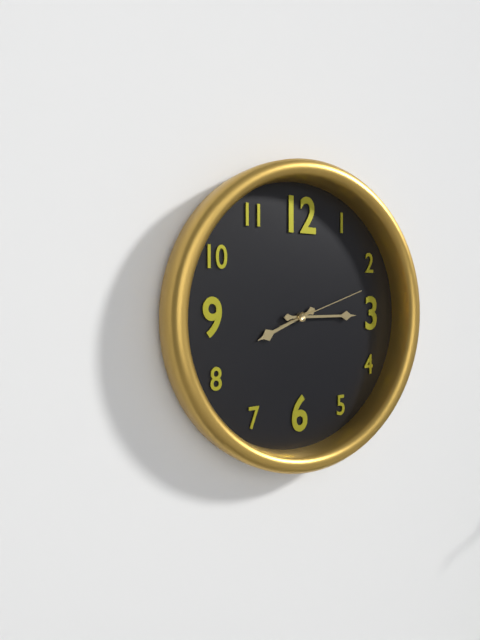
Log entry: {"hour": 8, "minute": 15, "second": 12}
